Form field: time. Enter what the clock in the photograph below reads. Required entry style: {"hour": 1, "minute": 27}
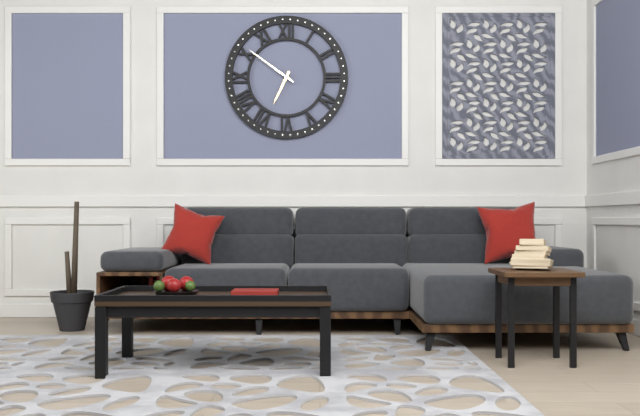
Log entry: {"hour": 6, "minute": 51}
